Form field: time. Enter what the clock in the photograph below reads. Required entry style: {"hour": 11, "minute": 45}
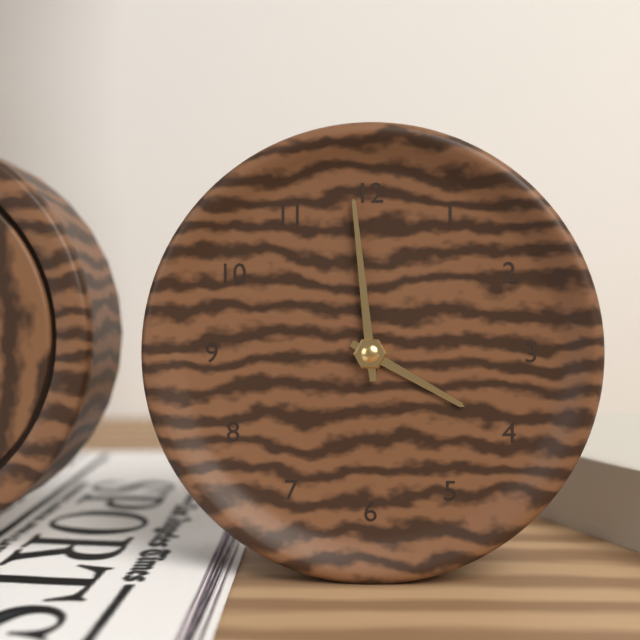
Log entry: {"hour": 3, "minute": 59}
